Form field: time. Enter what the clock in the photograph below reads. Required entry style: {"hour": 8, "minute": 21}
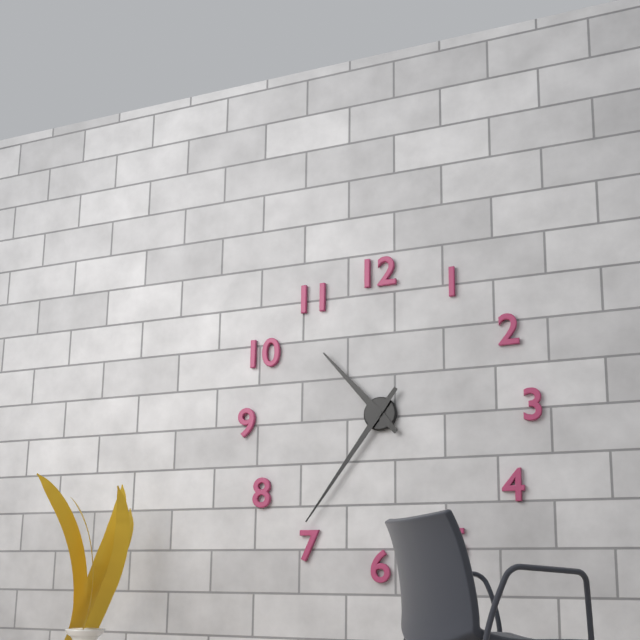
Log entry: {"hour": 10, "minute": 36}
